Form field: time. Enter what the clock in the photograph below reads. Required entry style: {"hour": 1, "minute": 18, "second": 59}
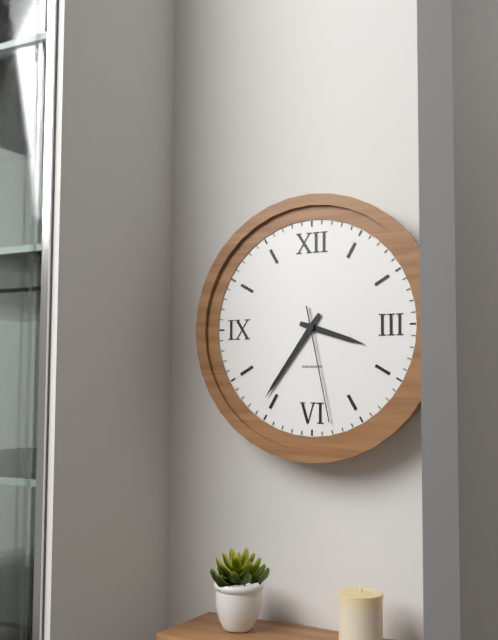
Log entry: {"hour": 3, "minute": 36, "second": 28}
